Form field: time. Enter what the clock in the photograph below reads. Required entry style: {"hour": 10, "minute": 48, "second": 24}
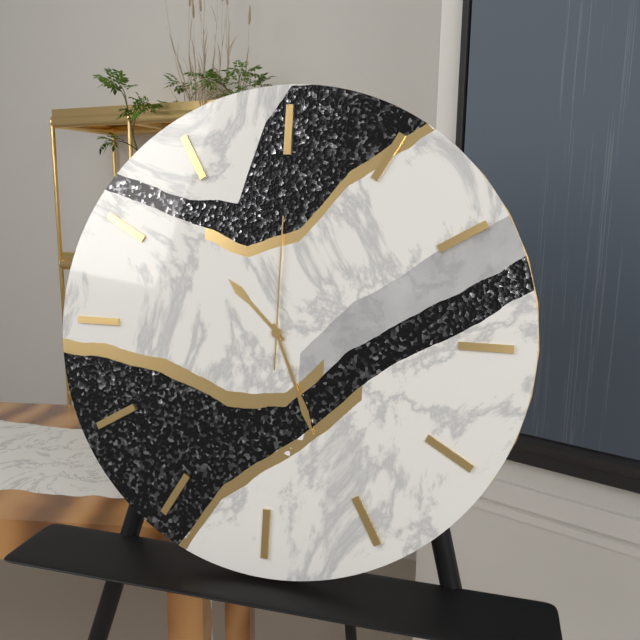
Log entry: {"hour": 10, "minute": 26, "second": 0}
